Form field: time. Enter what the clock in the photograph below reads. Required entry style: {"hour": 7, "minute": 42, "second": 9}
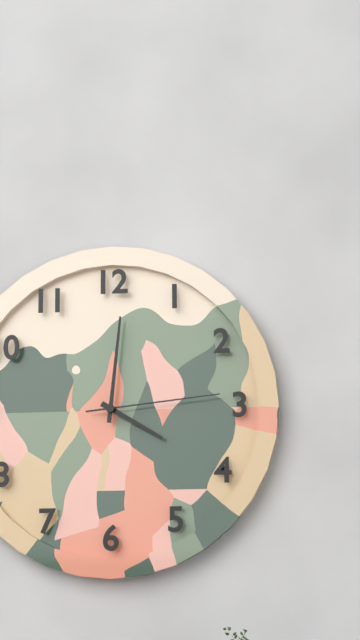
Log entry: {"hour": 4, "minute": 1, "second": 14}
